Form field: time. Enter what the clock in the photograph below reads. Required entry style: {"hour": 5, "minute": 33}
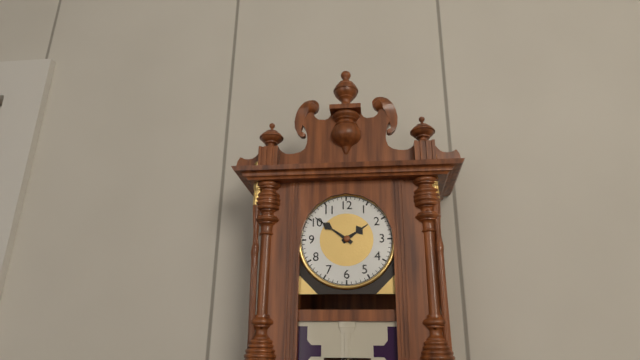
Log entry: {"hour": 1, "minute": 51}
